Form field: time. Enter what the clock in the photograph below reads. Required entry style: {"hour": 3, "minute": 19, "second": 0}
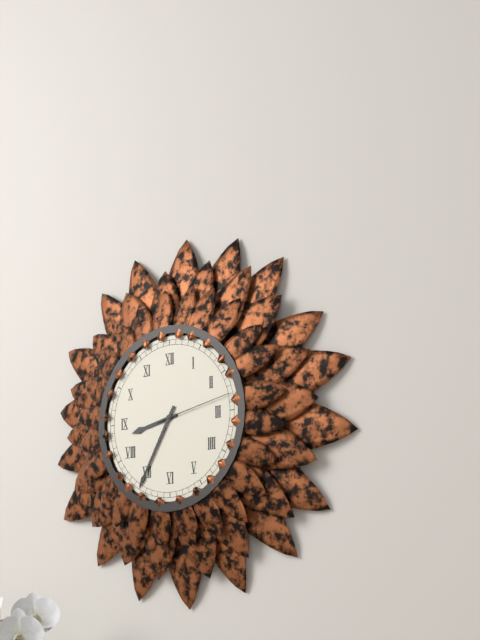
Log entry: {"hour": 8, "minute": 35, "second": 13}
